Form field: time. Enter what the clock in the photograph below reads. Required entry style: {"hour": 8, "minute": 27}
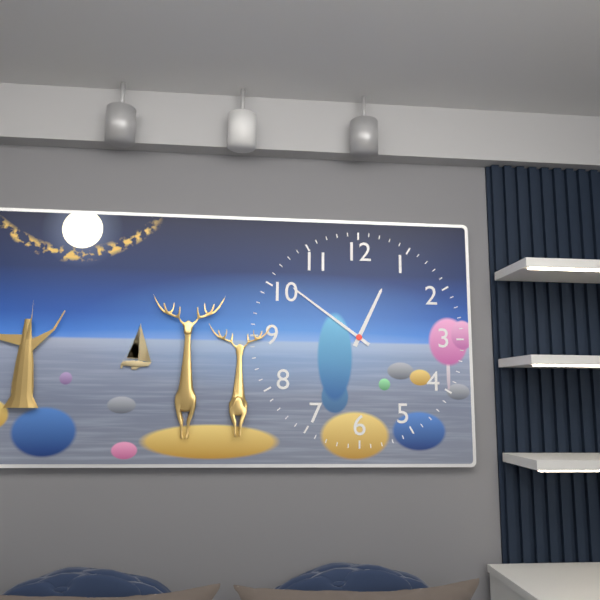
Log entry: {"hour": 12, "minute": 51}
